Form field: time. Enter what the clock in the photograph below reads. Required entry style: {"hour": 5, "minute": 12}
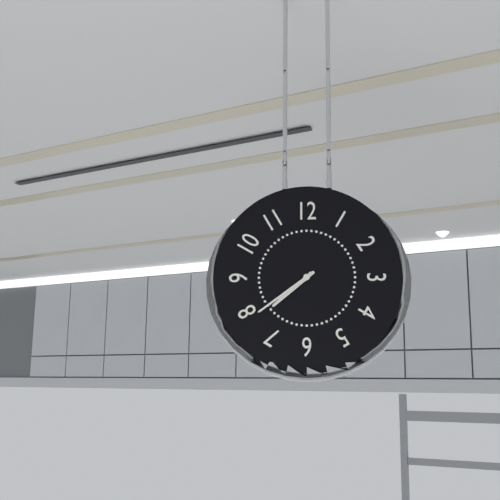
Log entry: {"hour": 7, "minute": 39}
